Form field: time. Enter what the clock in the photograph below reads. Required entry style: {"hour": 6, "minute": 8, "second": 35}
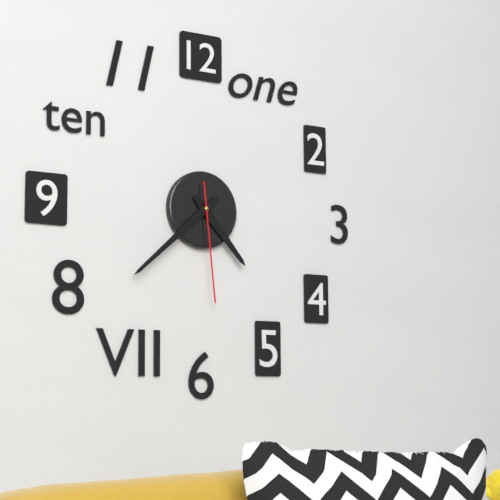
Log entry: {"hour": 4, "minute": 38, "second": 29}
